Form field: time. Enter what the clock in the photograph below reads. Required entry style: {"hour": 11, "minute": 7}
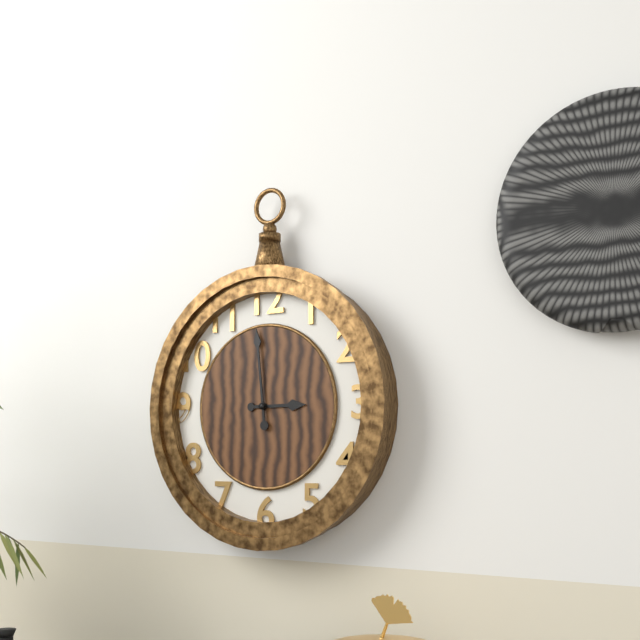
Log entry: {"hour": 2, "minute": 59}
